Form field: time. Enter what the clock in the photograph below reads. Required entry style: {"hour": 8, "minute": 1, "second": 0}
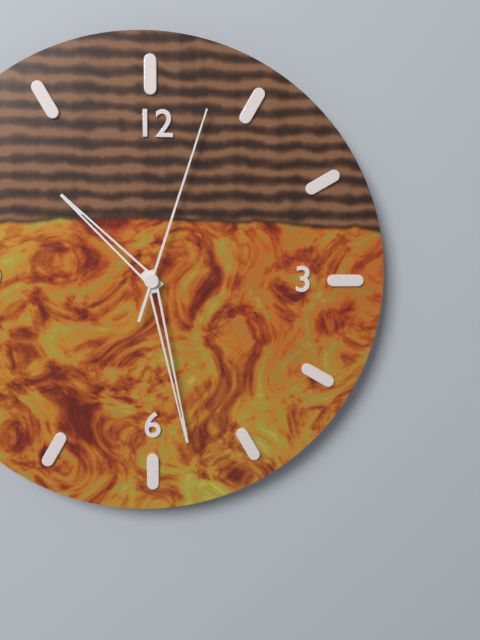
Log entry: {"hour": 10, "minute": 28, "second": 3}
